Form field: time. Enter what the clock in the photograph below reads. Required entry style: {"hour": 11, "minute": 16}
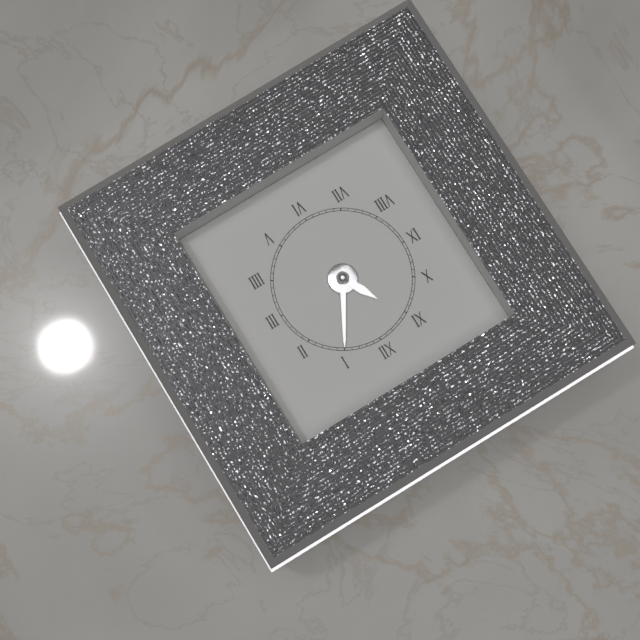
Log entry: {"hour": 11, "minute": 5}
